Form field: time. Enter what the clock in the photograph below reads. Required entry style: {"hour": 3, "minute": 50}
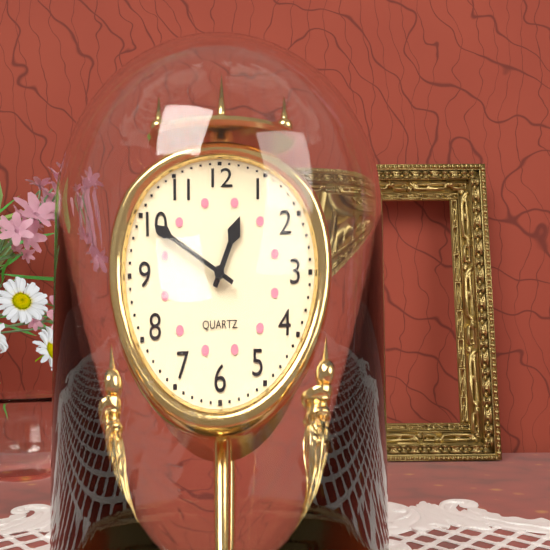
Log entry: {"hour": 12, "minute": 50}
